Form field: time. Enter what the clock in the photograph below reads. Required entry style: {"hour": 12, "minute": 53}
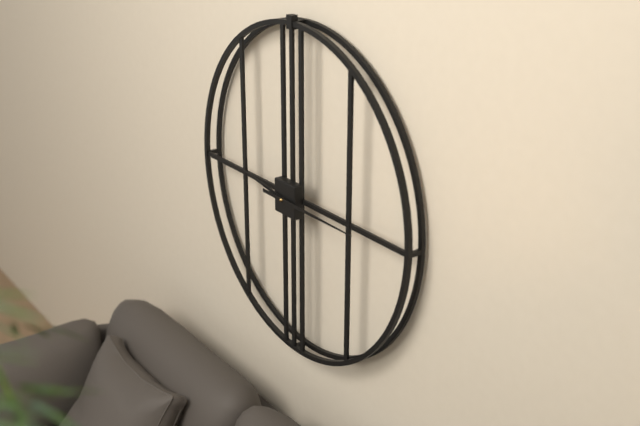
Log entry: {"hour": 9, "minute": 15}
